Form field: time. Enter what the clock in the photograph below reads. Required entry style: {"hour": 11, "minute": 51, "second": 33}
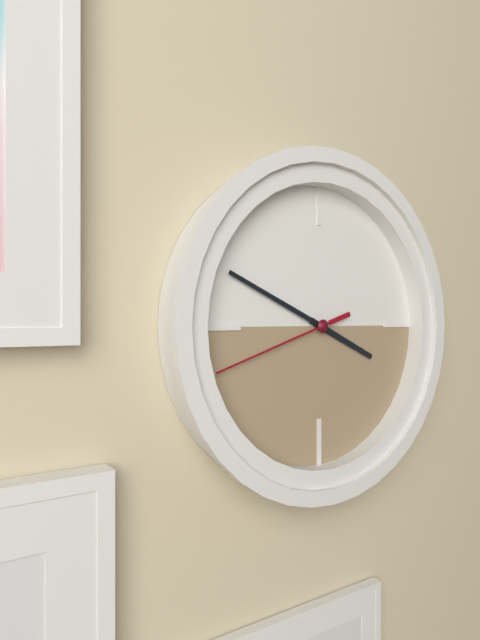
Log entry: {"hour": 3, "minute": 49, "second": 42}
